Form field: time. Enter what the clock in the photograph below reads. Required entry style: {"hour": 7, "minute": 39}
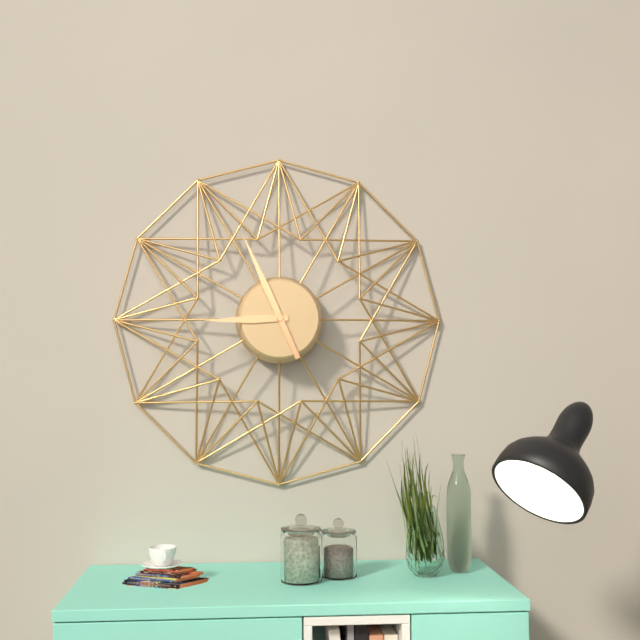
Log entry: {"hour": 8, "minute": 56}
